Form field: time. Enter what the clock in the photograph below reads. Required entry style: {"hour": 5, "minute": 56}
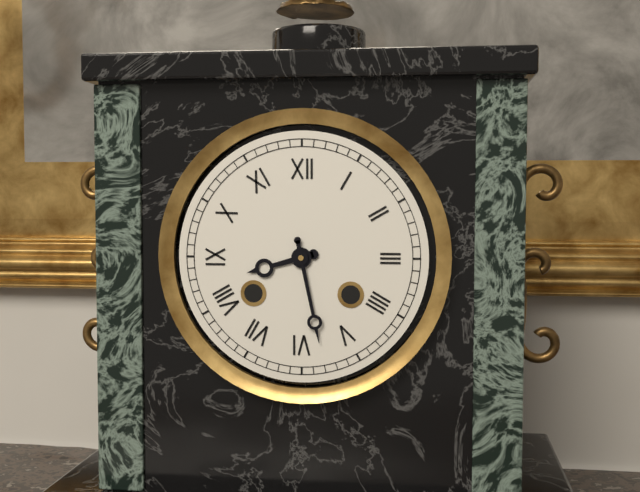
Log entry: {"hour": 8, "minute": 28}
